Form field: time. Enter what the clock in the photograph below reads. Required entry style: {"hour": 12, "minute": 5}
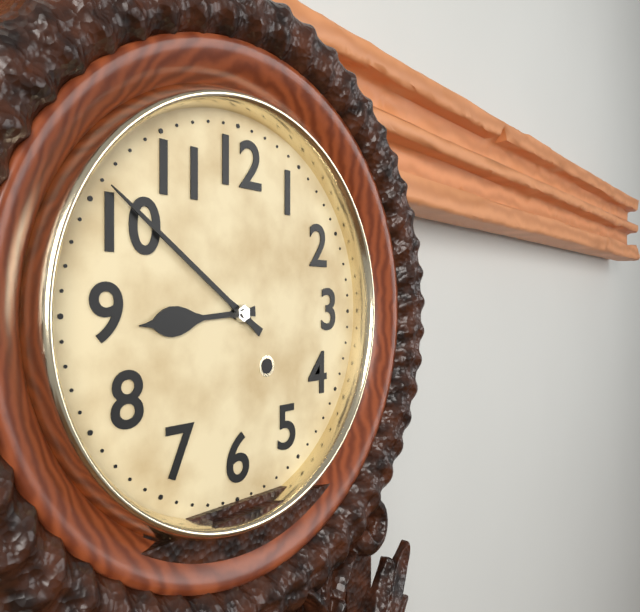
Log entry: {"hour": 8, "minute": 51}
